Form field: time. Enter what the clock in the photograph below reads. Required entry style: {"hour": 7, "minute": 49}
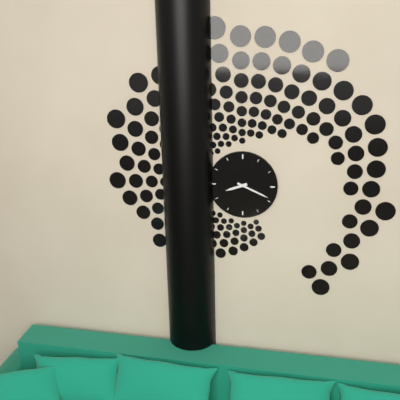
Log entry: {"hour": 8, "minute": 19}
